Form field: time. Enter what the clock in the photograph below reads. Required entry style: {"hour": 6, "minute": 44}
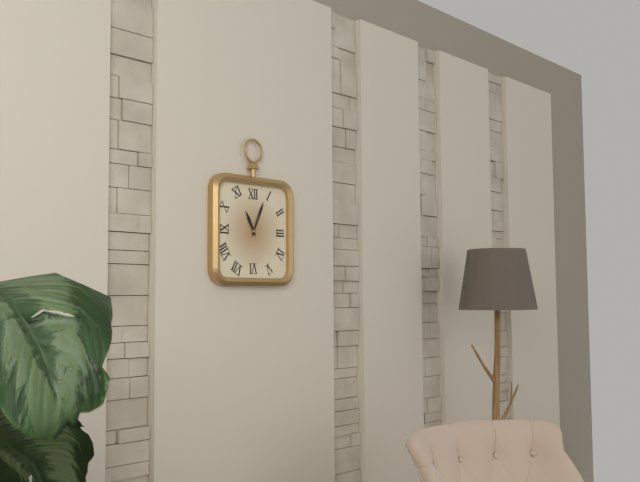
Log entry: {"hour": 11, "minute": 4}
